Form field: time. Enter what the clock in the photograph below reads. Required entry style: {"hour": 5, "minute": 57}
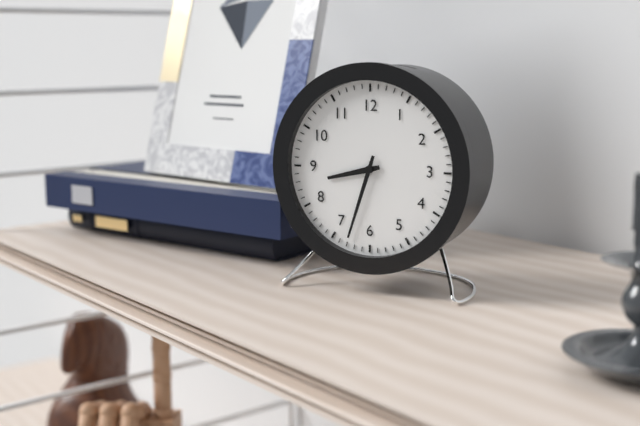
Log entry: {"hour": 8, "minute": 33}
